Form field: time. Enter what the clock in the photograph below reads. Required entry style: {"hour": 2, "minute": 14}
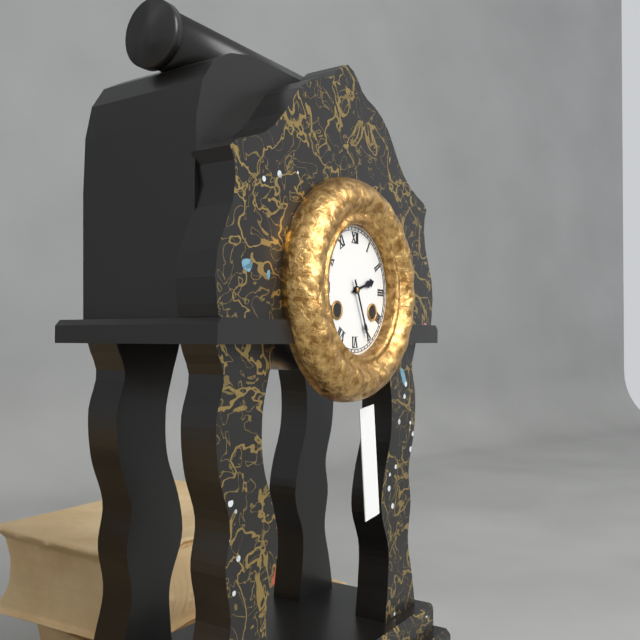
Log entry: {"hour": 2, "minute": 26}
